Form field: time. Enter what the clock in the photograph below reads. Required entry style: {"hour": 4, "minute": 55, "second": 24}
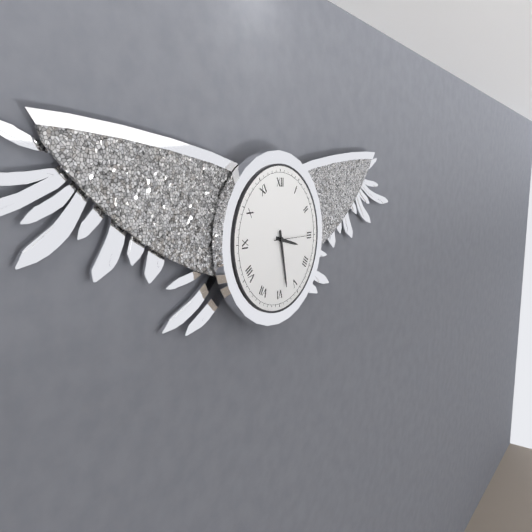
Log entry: {"hour": 3, "minute": 28, "second": 15}
